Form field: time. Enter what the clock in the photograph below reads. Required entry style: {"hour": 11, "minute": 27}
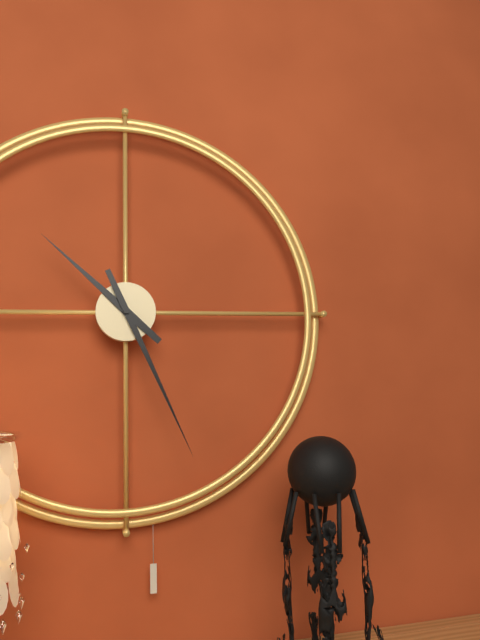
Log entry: {"hour": 10, "minute": 26}
